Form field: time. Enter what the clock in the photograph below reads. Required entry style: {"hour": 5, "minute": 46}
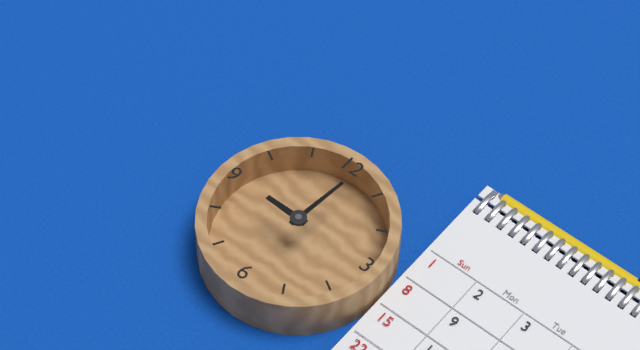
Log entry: {"hour": 9, "minute": 1}
